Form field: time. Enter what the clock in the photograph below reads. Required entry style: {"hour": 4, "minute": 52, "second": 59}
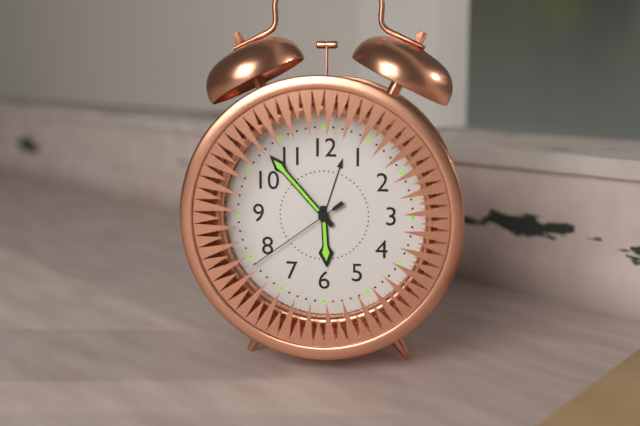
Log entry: {"hour": 5, "minute": 53, "second": 39}
